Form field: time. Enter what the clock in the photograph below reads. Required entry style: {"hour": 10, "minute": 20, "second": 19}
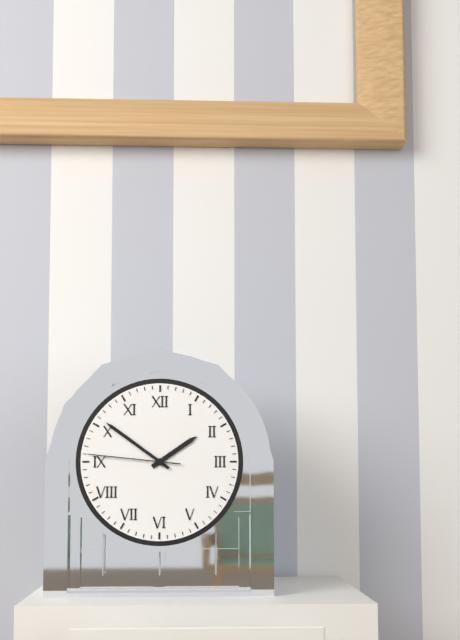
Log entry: {"hour": 1, "minute": 51, "second": 46}
